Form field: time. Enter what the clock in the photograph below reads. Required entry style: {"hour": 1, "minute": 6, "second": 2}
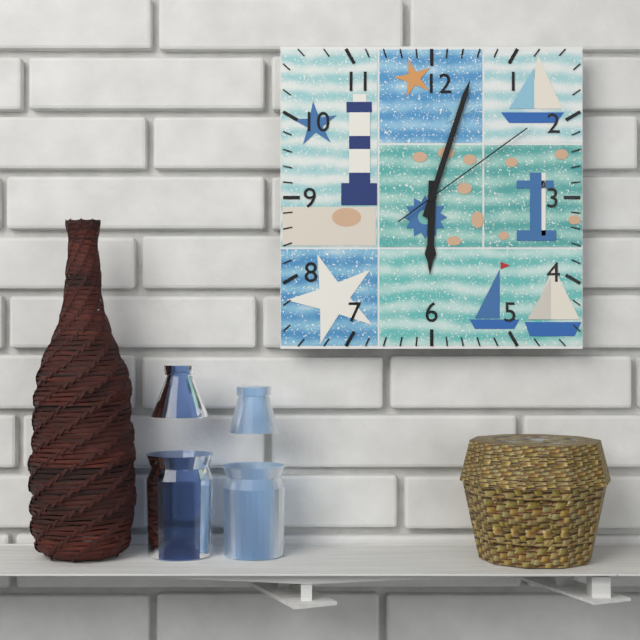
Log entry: {"hour": 6, "minute": 3, "second": 9}
